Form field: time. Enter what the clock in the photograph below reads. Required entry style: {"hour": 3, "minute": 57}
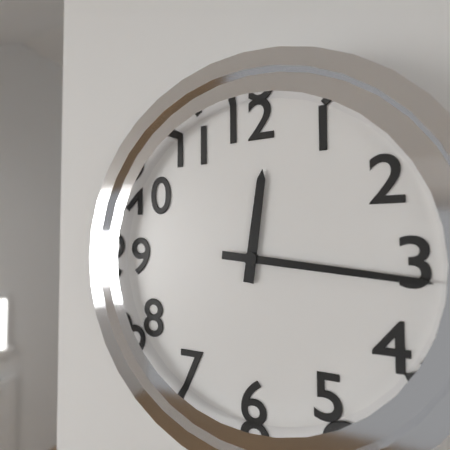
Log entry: {"hour": 12, "minute": 16}
